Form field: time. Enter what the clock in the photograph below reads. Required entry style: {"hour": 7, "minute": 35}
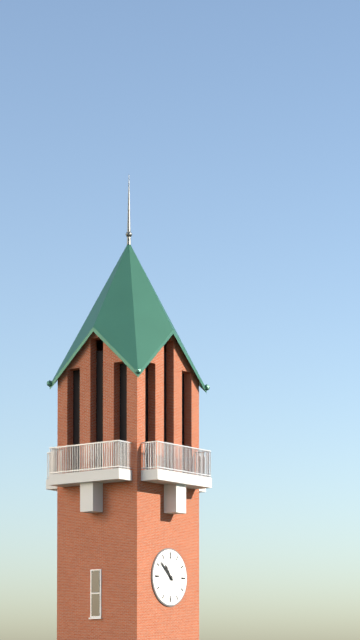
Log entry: {"hour": 10, "minute": 52}
